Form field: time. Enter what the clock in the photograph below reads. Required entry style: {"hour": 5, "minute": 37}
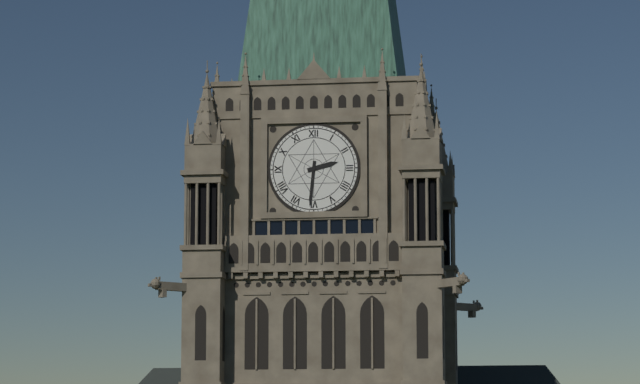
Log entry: {"hour": 2, "minute": 31}
